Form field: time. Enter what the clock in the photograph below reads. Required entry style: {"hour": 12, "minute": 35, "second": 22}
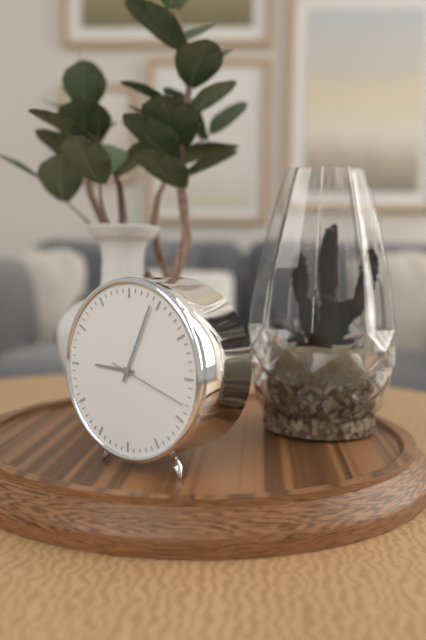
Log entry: {"hour": 9, "minute": 4, "second": 18}
